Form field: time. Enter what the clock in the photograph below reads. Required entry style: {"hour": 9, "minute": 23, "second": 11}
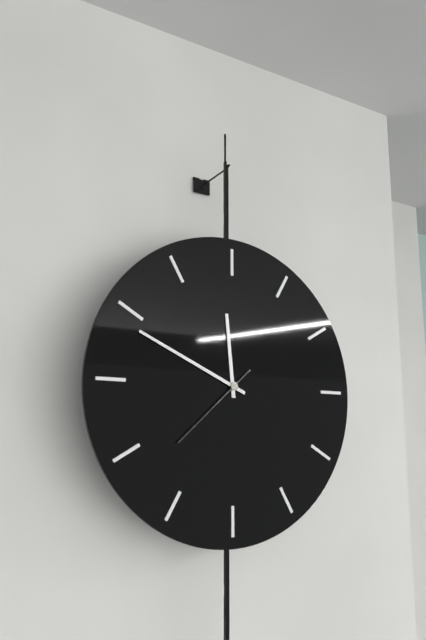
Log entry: {"hour": 11, "minute": 49, "second": 38}
